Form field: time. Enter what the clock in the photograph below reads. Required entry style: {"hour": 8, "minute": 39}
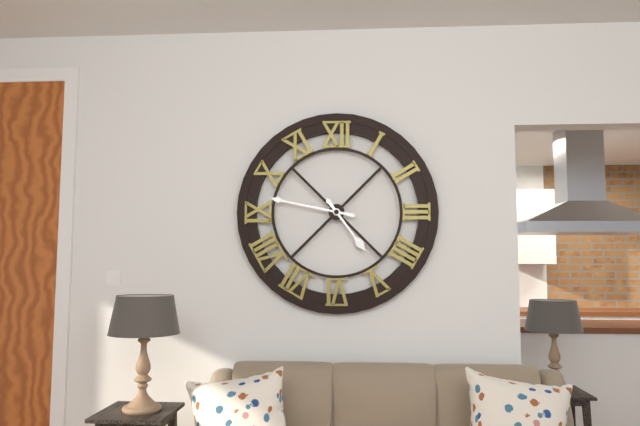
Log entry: {"hour": 4, "minute": 47}
